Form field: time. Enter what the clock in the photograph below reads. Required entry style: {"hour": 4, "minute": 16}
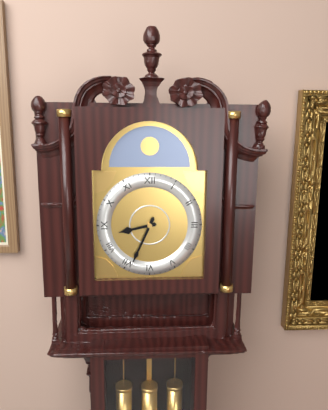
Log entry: {"hour": 8, "minute": 34}
